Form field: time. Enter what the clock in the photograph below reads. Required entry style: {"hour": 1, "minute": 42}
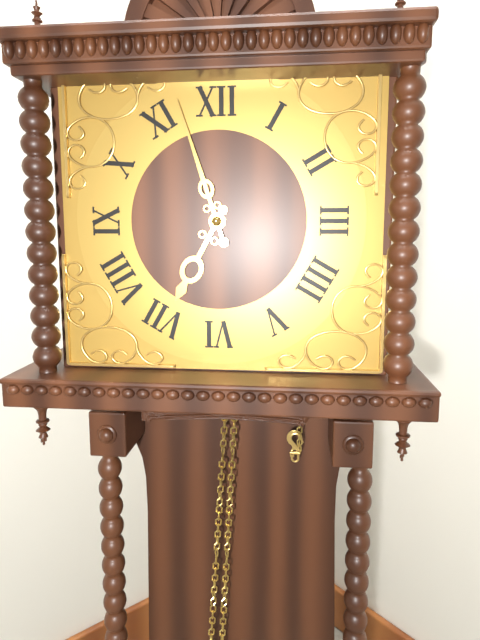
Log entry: {"hour": 6, "minute": 57}
